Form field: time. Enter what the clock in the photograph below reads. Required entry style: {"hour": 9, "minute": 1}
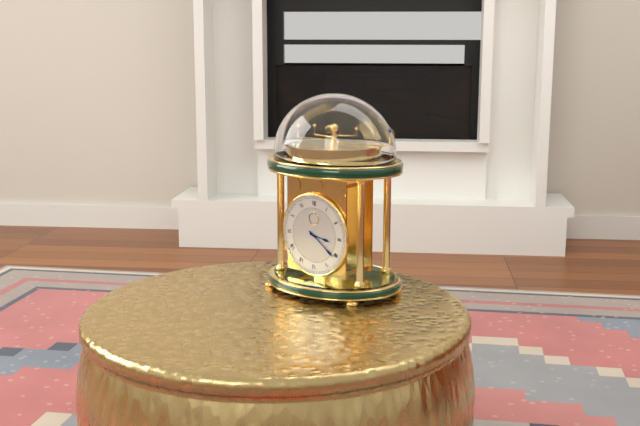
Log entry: {"hour": 3, "minute": 21}
